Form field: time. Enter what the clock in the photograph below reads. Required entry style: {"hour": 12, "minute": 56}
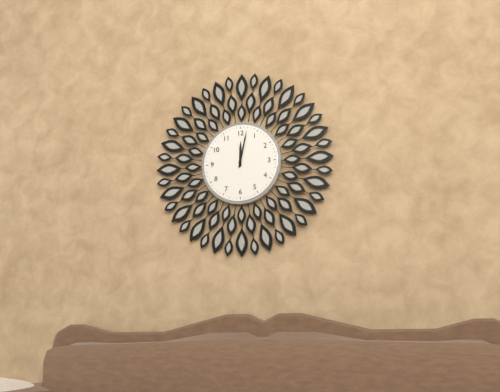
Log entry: {"hour": 12, "minute": 2}
